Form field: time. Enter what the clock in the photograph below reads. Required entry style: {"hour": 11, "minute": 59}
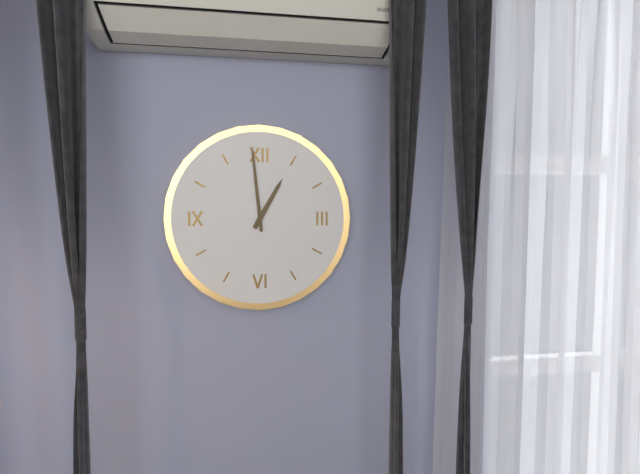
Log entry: {"hour": 12, "minute": 59}
